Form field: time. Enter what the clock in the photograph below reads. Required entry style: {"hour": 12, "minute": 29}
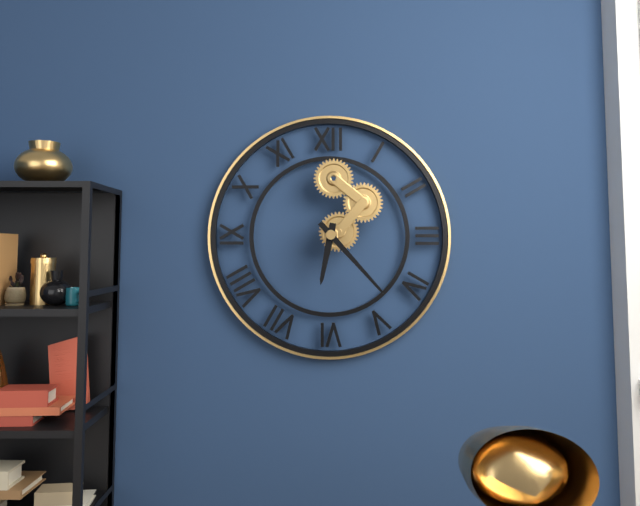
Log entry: {"hour": 6, "minute": 23}
